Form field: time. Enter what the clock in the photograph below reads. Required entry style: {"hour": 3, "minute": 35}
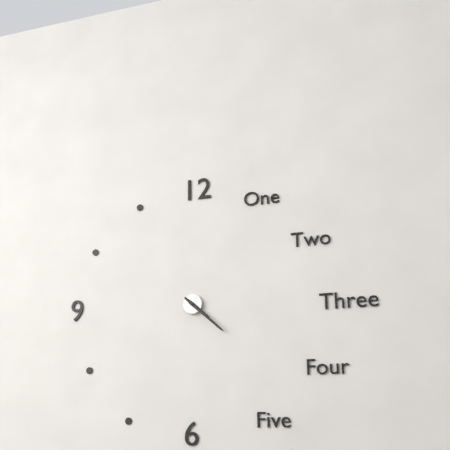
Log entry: {"hour": 4, "minute": 22}
